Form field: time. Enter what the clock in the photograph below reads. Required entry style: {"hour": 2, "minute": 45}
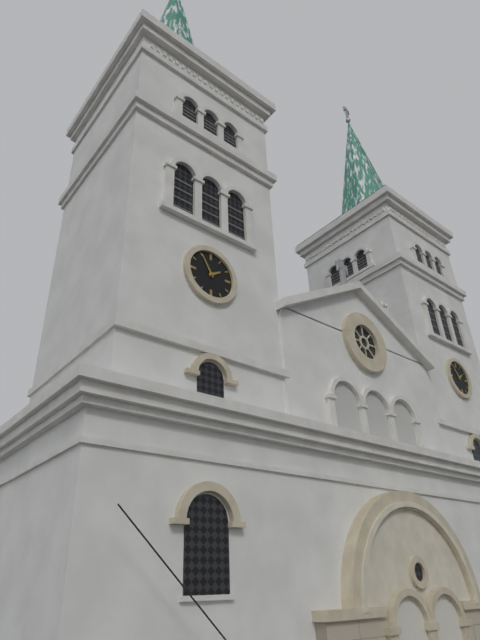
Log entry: {"hour": 1, "minute": 55}
